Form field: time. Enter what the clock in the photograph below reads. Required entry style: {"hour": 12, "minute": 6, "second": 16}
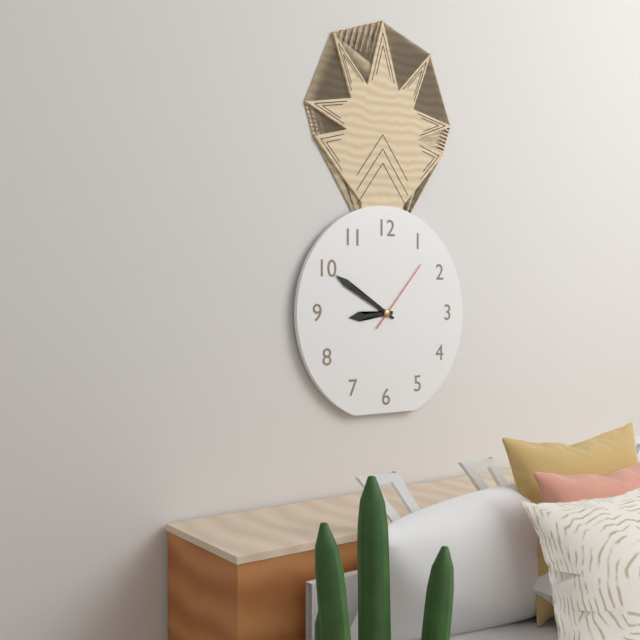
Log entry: {"hour": 8, "minute": 50, "second": 7}
